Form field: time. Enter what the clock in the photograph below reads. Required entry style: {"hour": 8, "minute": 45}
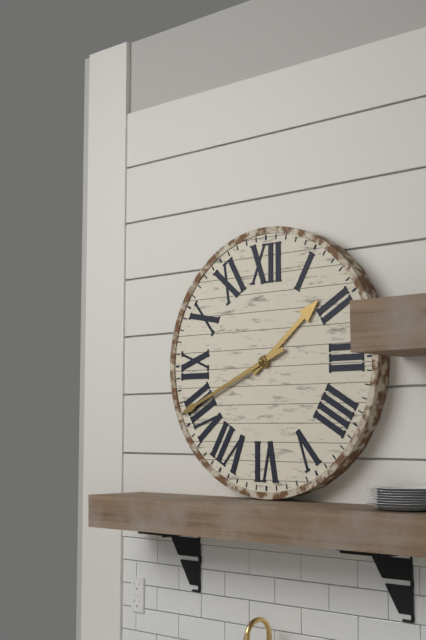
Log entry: {"hour": 1, "minute": 41}
